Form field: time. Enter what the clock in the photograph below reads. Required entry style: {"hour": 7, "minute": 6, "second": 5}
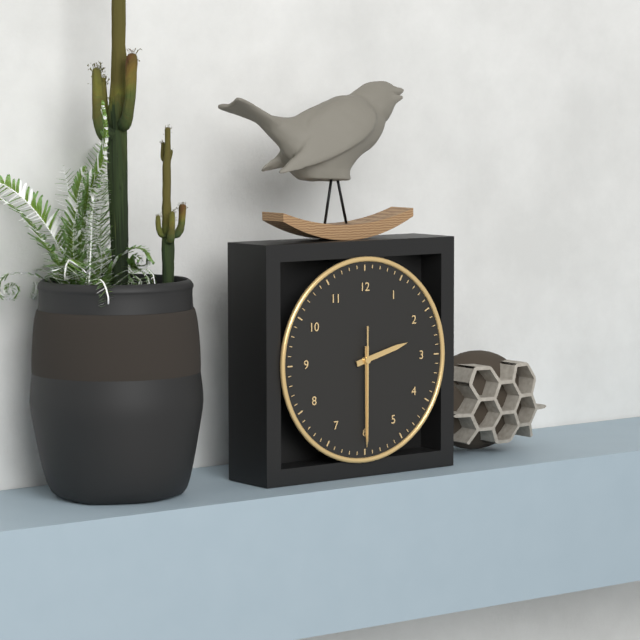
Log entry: {"hour": 2, "minute": 30, "second": 30}
